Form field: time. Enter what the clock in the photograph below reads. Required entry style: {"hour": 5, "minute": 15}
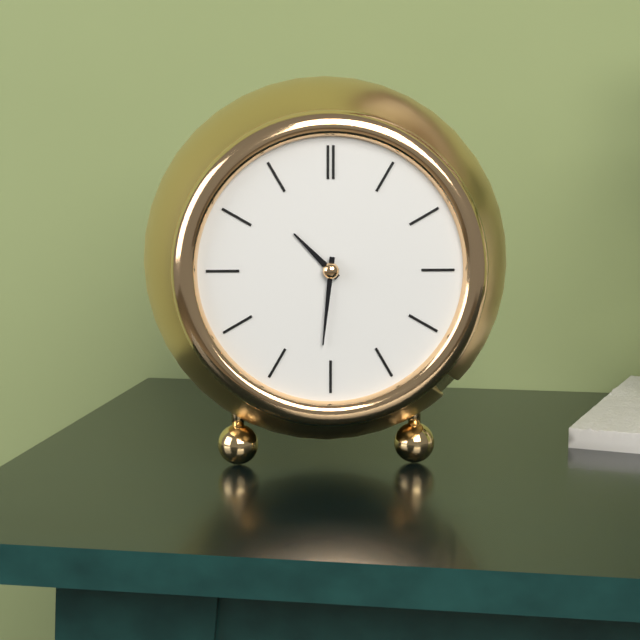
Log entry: {"hour": 10, "minute": 31}
